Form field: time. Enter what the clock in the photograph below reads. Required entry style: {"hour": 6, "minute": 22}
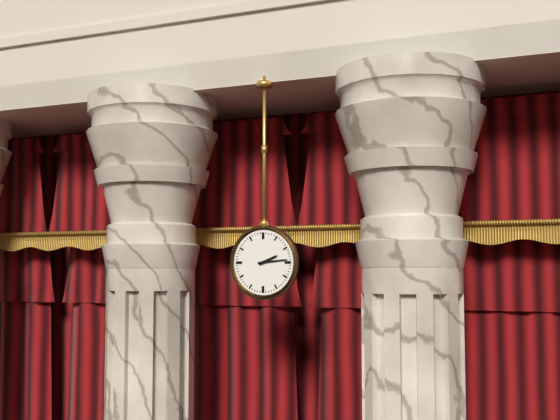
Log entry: {"hour": 2, "minute": 14}
